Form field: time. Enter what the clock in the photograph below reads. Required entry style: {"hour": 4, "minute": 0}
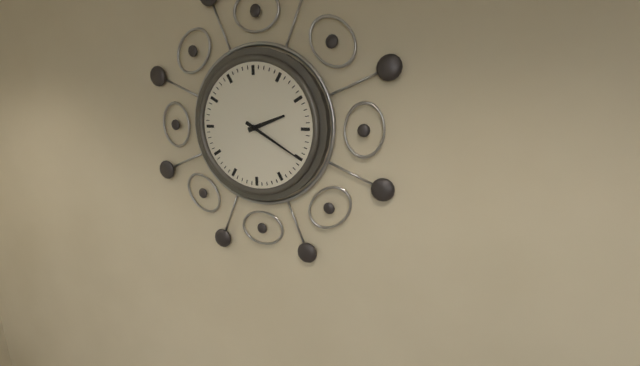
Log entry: {"hour": 2, "minute": 20}
